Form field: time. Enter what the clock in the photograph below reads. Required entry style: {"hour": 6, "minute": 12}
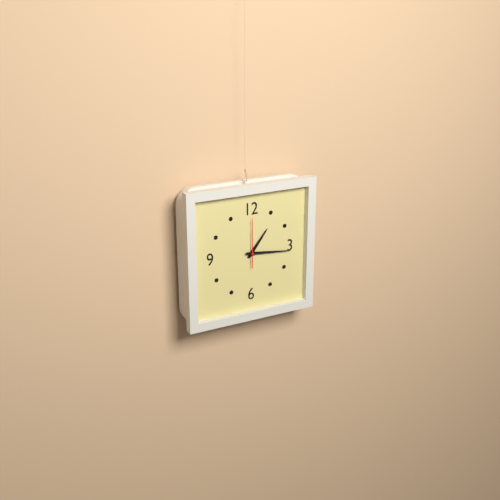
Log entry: {"hour": 1, "minute": 16}
